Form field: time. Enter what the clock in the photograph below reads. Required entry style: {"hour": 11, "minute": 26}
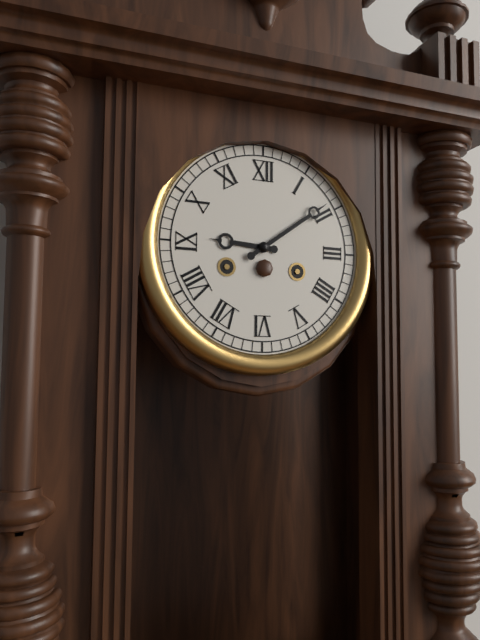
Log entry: {"hour": 9, "minute": 9}
